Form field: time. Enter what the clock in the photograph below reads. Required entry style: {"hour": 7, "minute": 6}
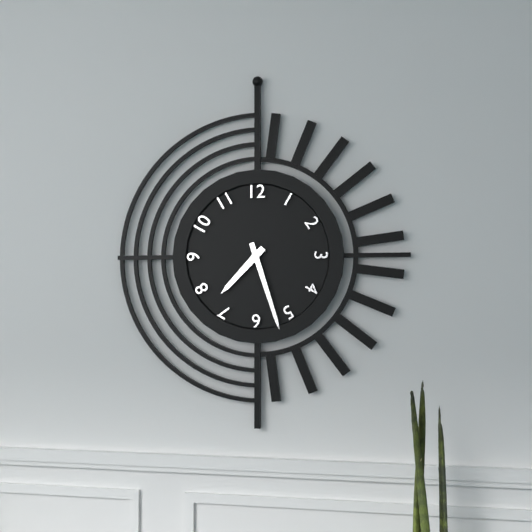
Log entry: {"hour": 7, "minute": 27}
